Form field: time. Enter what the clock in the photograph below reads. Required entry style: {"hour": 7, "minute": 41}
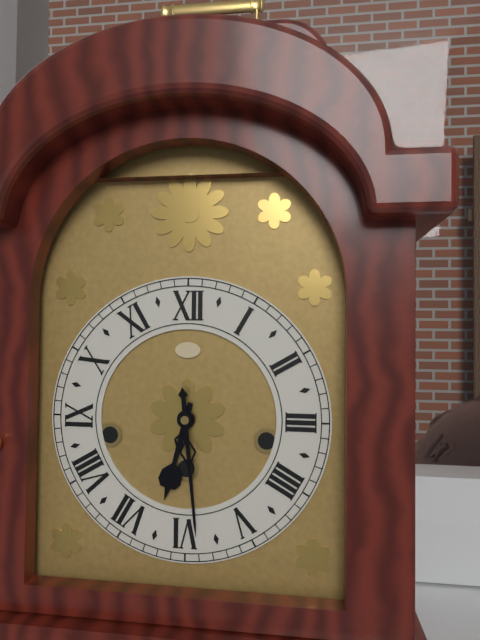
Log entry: {"hour": 6, "minute": 29}
